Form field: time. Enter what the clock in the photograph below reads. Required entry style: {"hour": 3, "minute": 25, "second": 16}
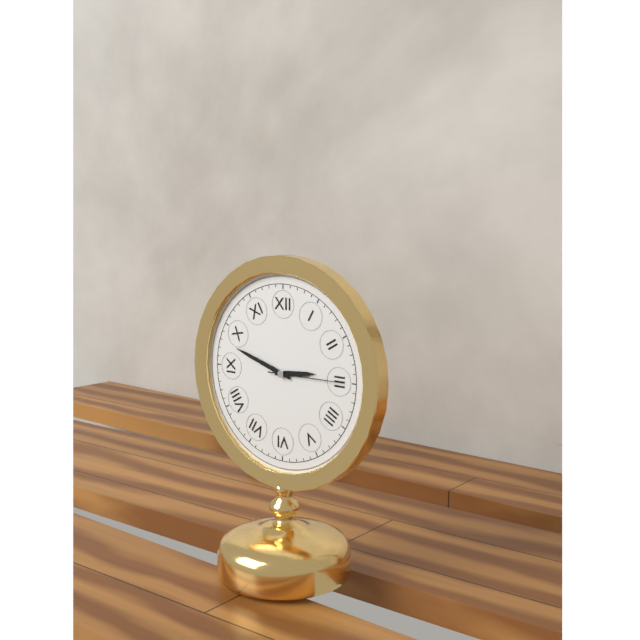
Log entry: {"hour": 2, "minute": 48, "second": 15}
